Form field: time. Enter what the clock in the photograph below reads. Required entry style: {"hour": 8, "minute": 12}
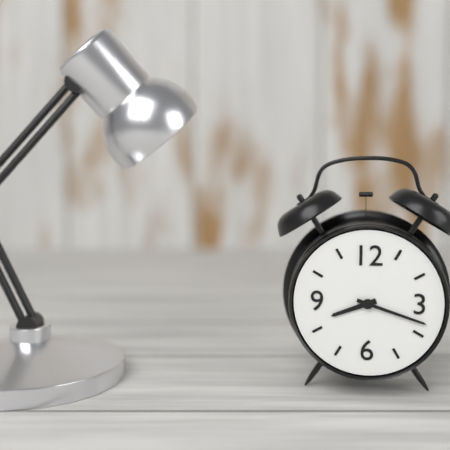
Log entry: {"hour": 8, "minute": 18}
